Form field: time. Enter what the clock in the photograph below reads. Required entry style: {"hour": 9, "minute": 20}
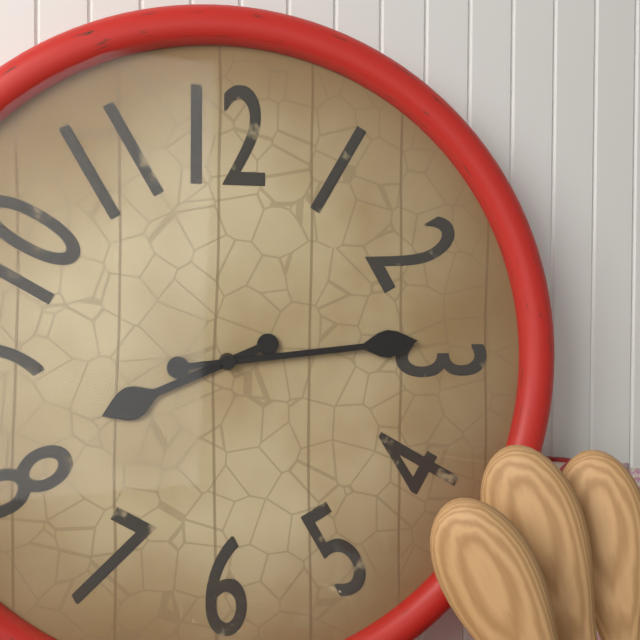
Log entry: {"hour": 8, "minute": 14}
